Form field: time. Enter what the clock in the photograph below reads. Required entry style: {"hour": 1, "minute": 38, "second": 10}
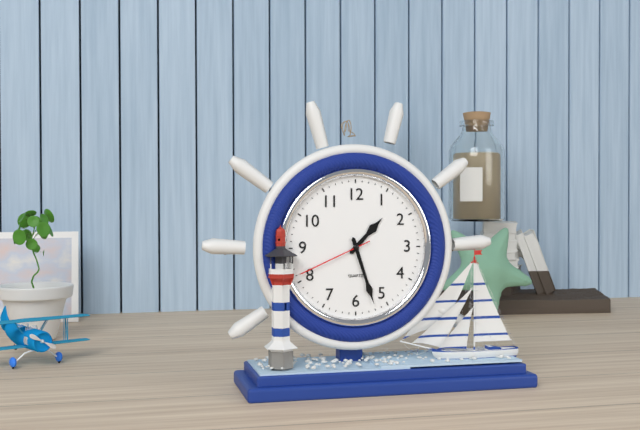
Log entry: {"hour": 1, "minute": 27, "second": 41}
